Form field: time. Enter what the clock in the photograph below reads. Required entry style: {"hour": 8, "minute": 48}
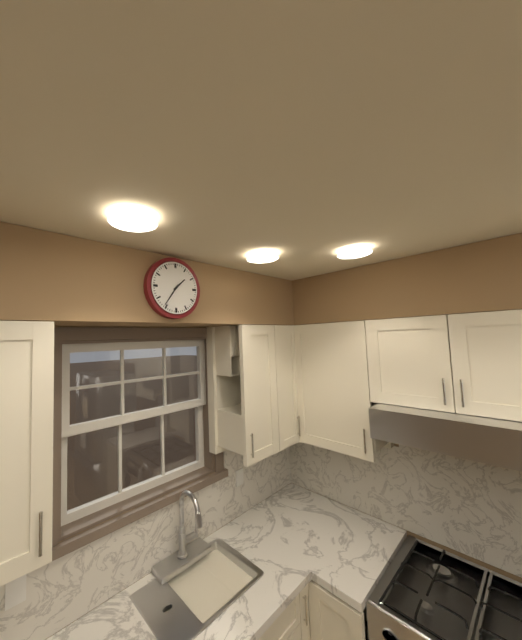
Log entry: {"hour": 1, "minute": 36}
